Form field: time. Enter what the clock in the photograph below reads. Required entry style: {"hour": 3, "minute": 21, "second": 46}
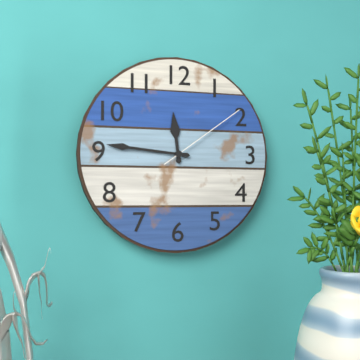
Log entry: {"hour": 11, "minute": 46, "second": 9}
